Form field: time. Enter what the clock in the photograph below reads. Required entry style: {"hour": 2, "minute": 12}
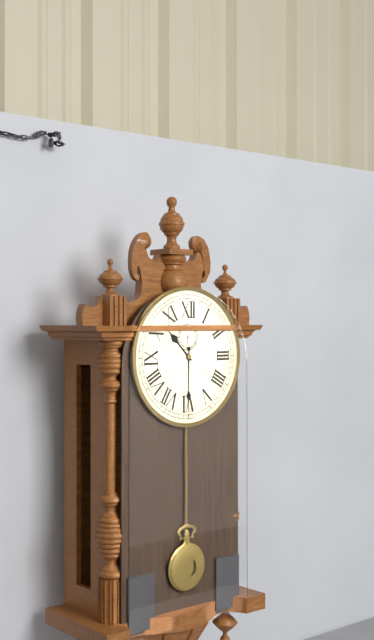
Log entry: {"hour": 10, "minute": 30}
